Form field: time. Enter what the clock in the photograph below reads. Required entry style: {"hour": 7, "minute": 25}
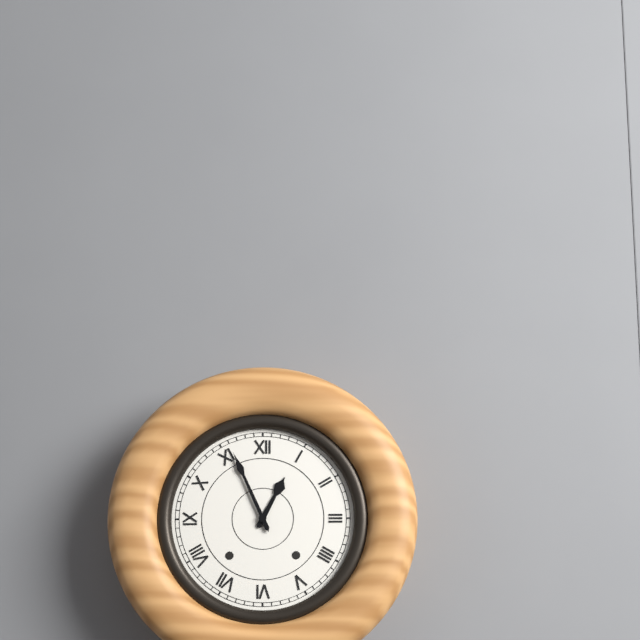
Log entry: {"hour": 12, "minute": 56}
